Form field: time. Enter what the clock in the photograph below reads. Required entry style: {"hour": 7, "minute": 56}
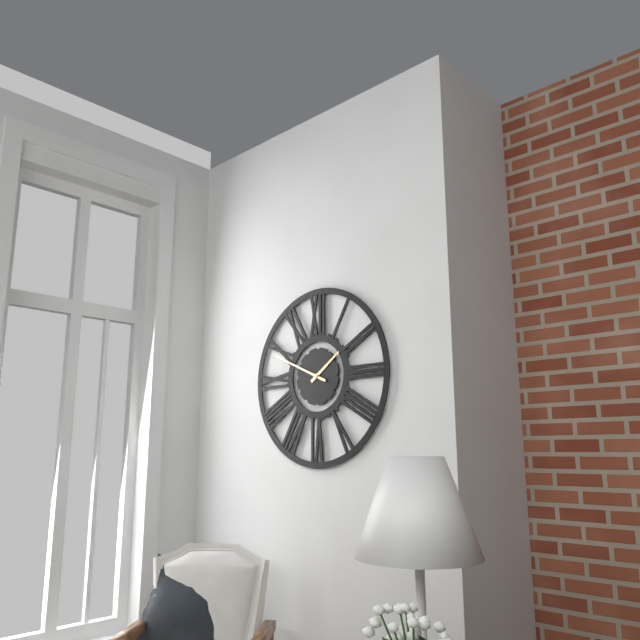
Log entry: {"hour": 1, "minute": 49}
